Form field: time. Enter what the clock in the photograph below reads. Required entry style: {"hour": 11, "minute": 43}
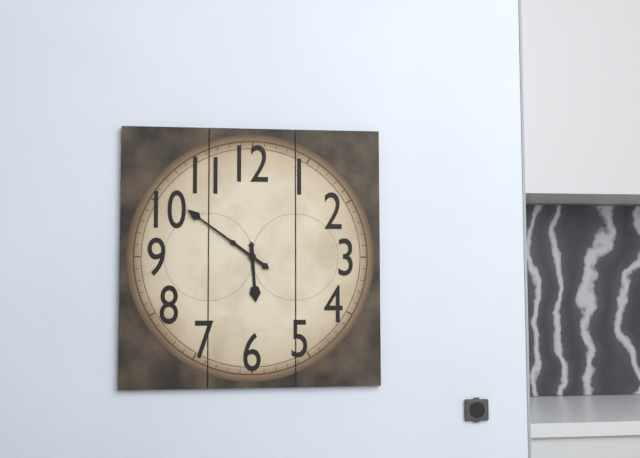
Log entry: {"hour": 5, "minute": 51}
